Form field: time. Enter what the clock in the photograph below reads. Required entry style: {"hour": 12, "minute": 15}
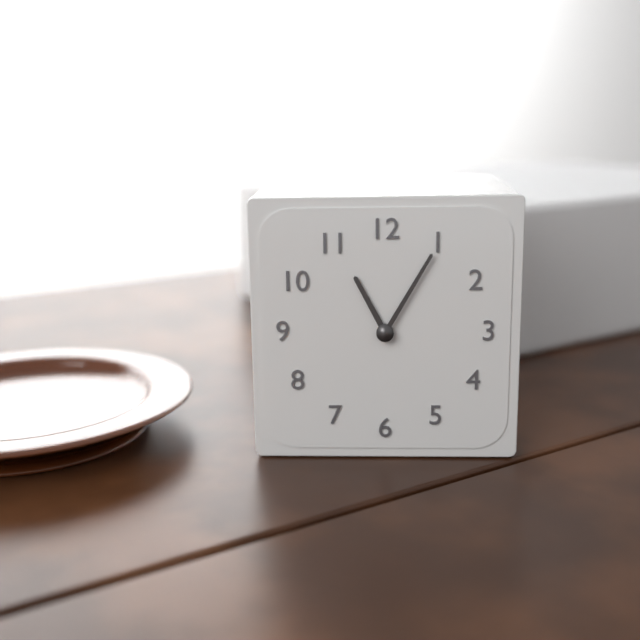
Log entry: {"hour": 11, "minute": 5}
